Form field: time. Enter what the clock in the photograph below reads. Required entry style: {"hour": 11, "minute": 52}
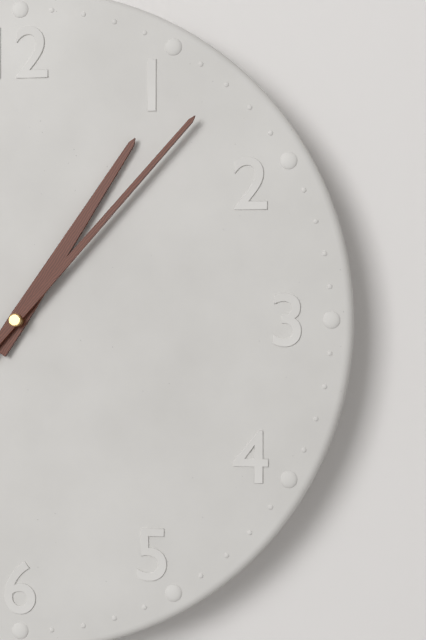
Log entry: {"hour": 1, "minute": 7}
